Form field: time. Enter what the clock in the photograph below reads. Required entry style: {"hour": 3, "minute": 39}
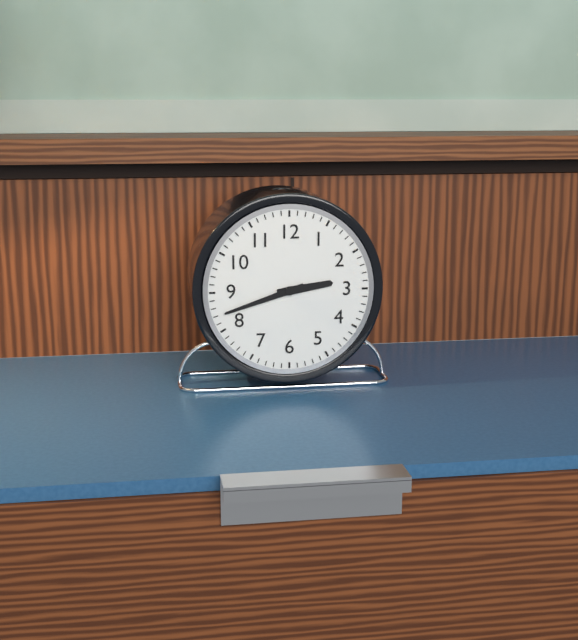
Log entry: {"hour": 2, "minute": 42}
